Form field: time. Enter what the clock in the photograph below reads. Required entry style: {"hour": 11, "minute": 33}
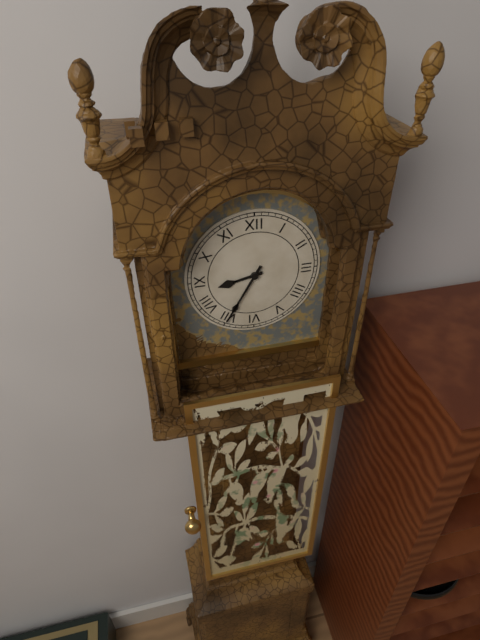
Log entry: {"hour": 8, "minute": 35}
